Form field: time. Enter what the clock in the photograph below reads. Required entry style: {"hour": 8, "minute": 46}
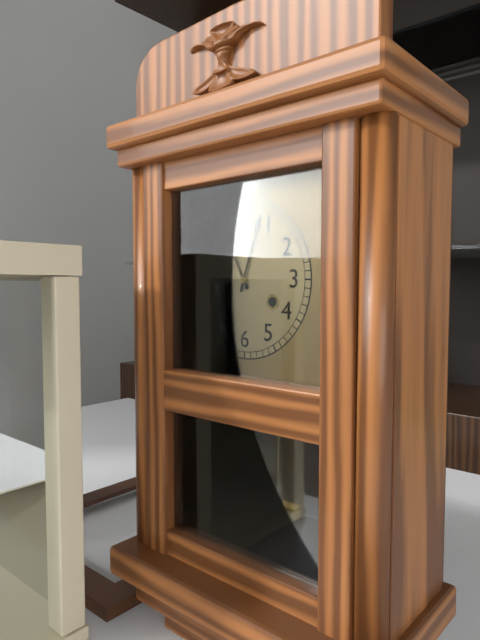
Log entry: {"hour": 11, "minute": 3}
